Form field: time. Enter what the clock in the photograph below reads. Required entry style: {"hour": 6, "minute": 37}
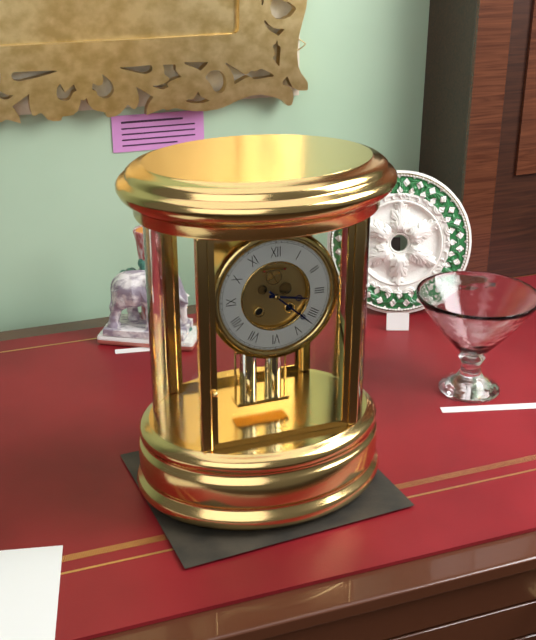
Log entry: {"hour": 3, "minute": 22}
